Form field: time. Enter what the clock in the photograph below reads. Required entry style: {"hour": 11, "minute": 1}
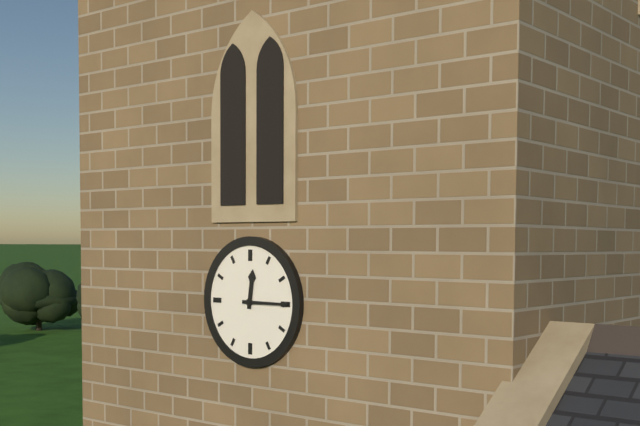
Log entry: {"hour": 12, "minute": 15}
